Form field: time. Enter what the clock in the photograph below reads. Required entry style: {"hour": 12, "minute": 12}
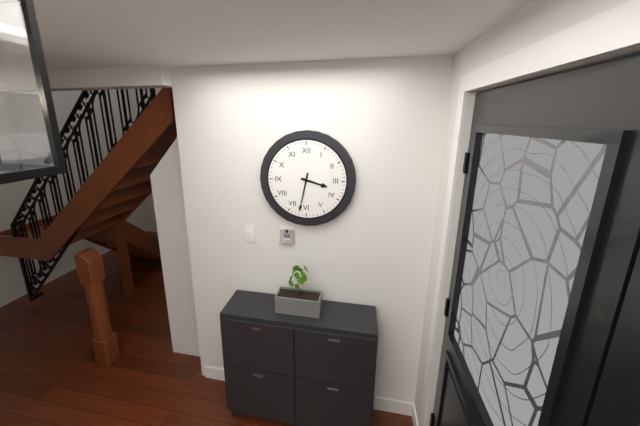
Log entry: {"hour": 3, "minute": 32}
